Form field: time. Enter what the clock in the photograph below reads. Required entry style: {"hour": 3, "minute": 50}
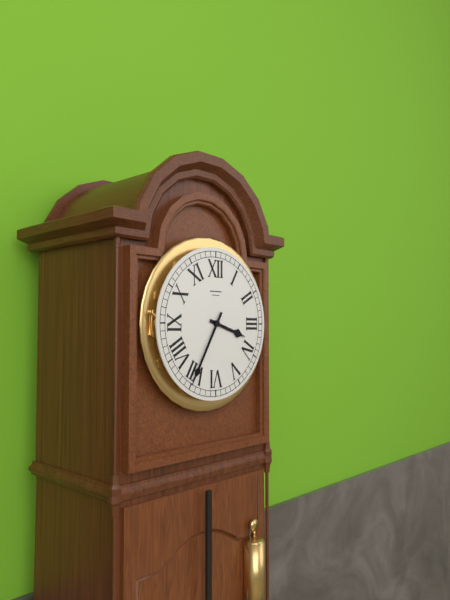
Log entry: {"hour": 3, "minute": 35}
